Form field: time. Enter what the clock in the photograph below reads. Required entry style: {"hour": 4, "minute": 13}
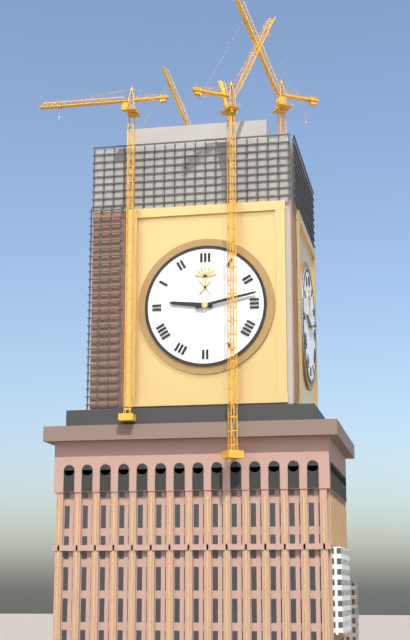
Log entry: {"hour": 9, "minute": 13}
